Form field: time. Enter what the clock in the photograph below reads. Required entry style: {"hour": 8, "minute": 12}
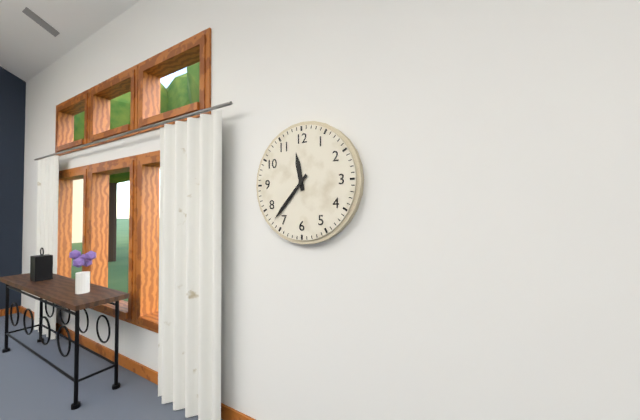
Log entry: {"hour": 11, "minute": 37}
